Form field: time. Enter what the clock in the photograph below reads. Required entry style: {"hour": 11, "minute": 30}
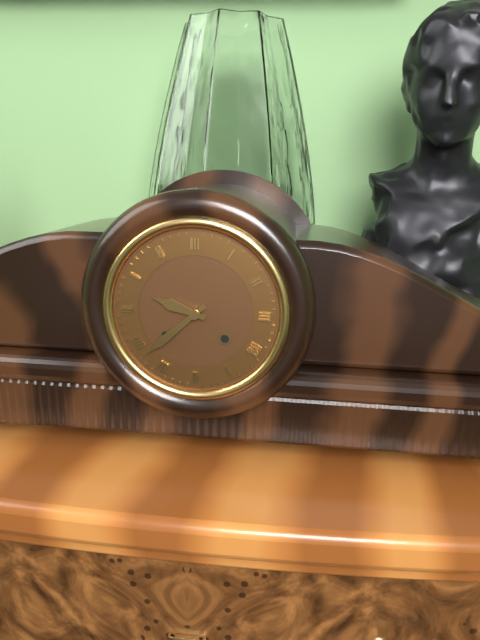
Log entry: {"hour": 9, "minute": 38}
